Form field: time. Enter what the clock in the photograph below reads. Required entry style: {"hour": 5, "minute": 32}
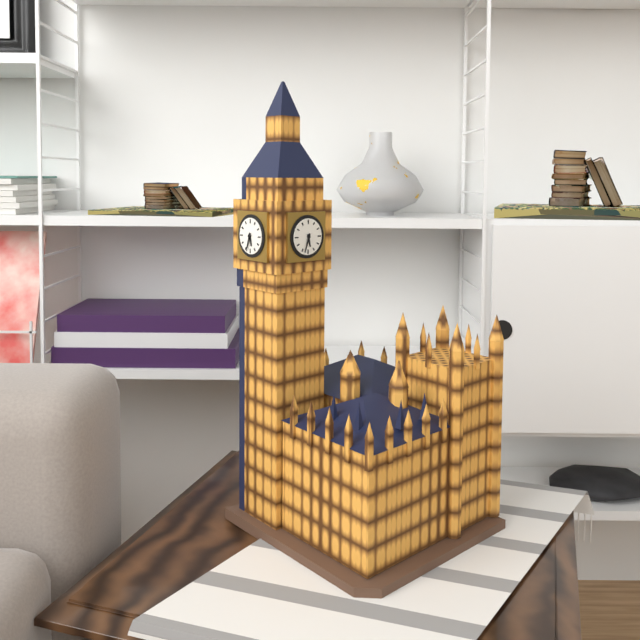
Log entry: {"hour": 5, "minute": 33}
